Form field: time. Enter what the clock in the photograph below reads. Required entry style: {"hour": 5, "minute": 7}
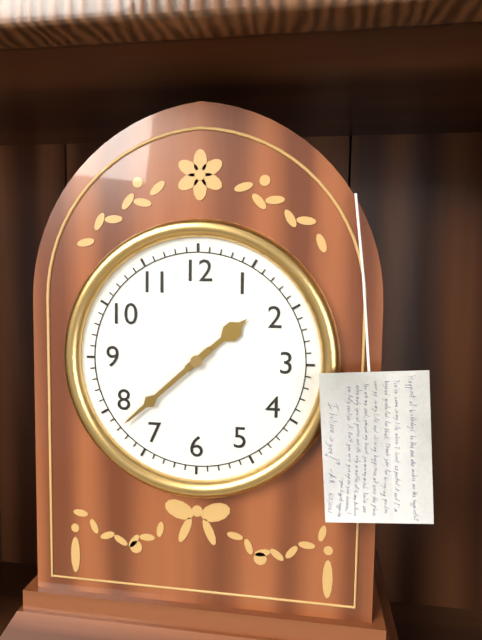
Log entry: {"hour": 1, "minute": 38}
